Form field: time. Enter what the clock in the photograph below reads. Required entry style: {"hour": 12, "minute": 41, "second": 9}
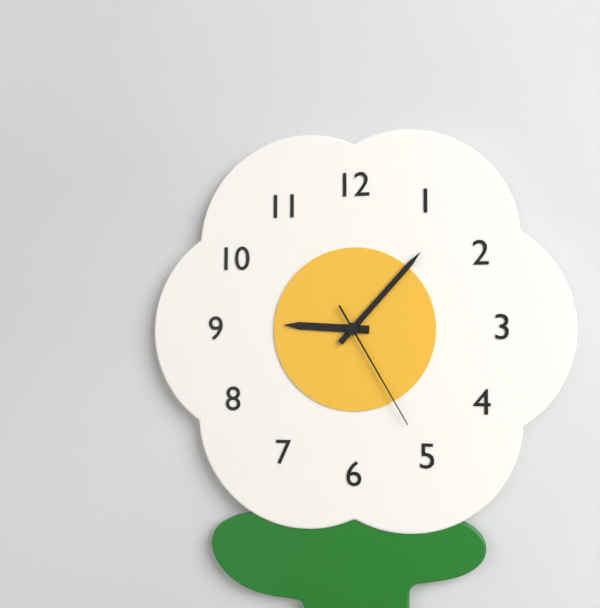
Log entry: {"hour": 9, "minute": 7, "second": 25}
